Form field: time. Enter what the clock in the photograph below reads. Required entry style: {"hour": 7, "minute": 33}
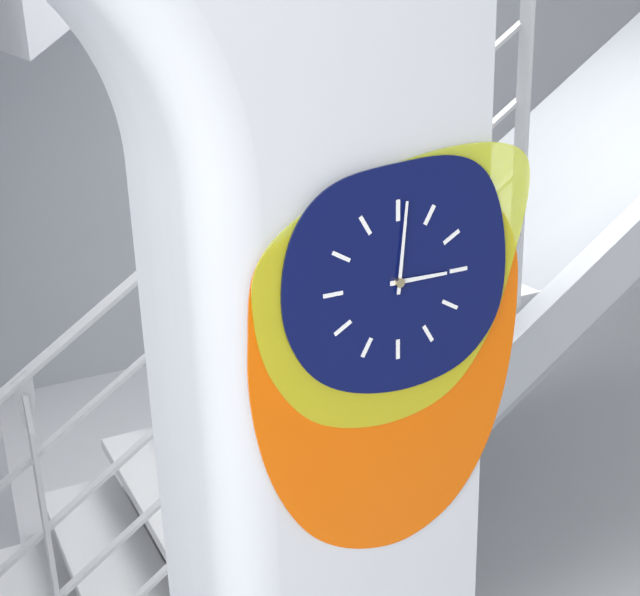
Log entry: {"hour": 3, "minute": 1}
